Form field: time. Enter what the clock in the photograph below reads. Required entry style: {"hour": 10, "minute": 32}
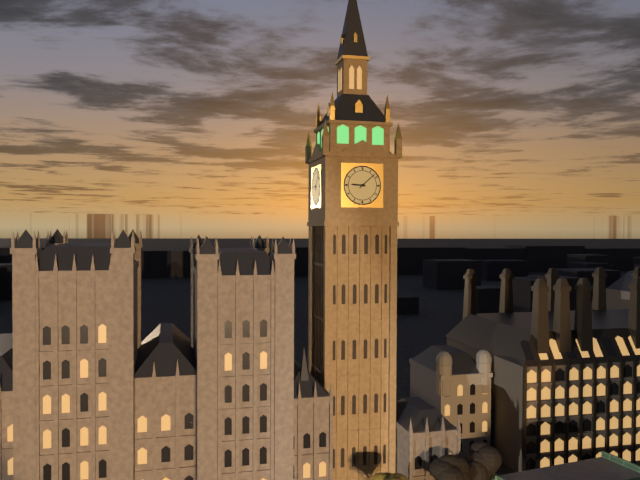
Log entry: {"hour": 9, "minute": 8}
